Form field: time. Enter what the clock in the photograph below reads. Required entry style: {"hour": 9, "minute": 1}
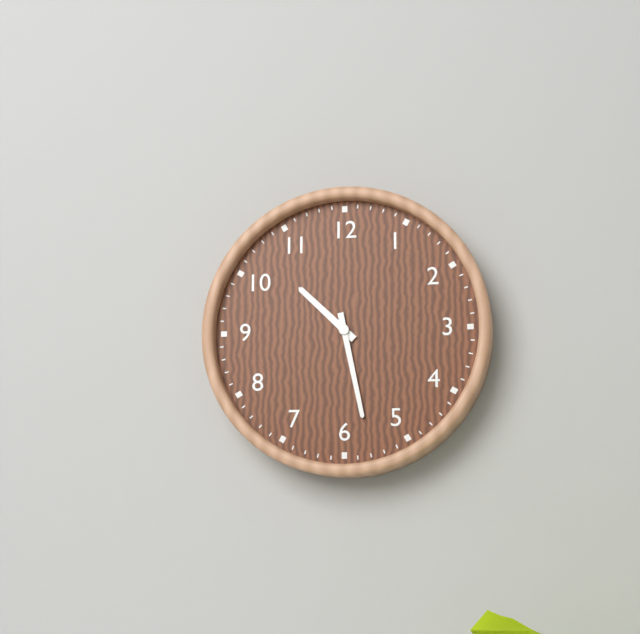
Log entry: {"hour": 10, "minute": 28}
